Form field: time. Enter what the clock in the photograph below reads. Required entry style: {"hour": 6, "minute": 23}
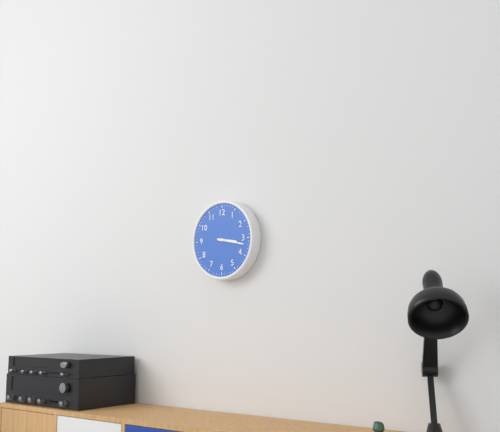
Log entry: {"hour": 3, "minute": 17}
